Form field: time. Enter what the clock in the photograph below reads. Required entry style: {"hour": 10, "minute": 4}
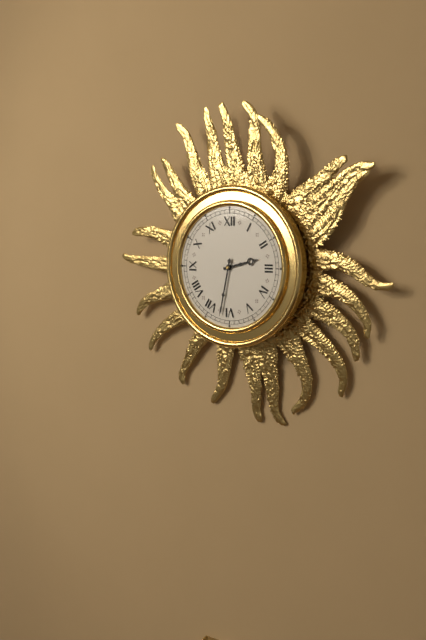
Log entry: {"hour": 2, "minute": 32}
